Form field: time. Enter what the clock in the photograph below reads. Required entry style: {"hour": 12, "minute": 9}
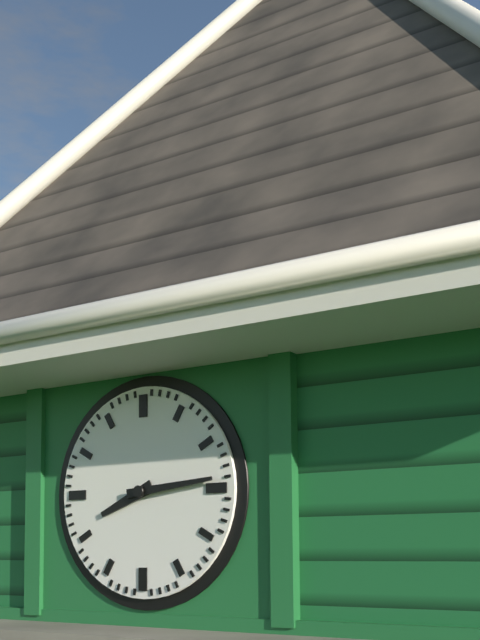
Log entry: {"hour": 8, "minute": 14}
